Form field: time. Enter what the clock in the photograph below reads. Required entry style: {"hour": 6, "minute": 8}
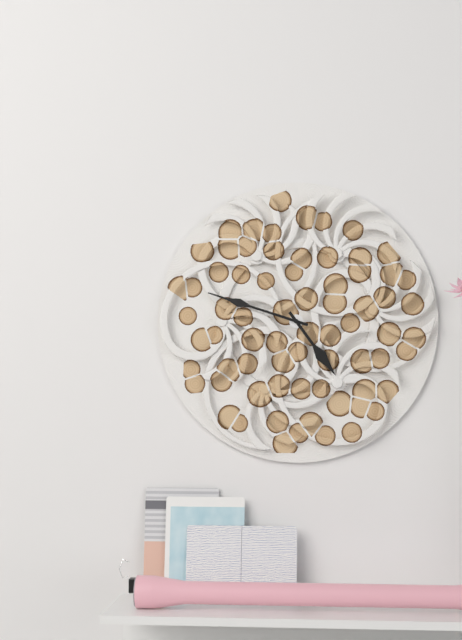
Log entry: {"hour": 4, "minute": 48}
